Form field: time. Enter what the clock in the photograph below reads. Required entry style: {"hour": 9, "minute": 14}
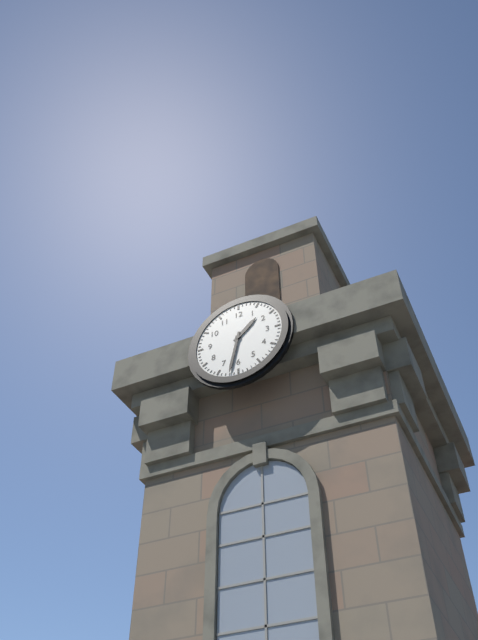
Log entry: {"hour": 1, "minute": 32}
